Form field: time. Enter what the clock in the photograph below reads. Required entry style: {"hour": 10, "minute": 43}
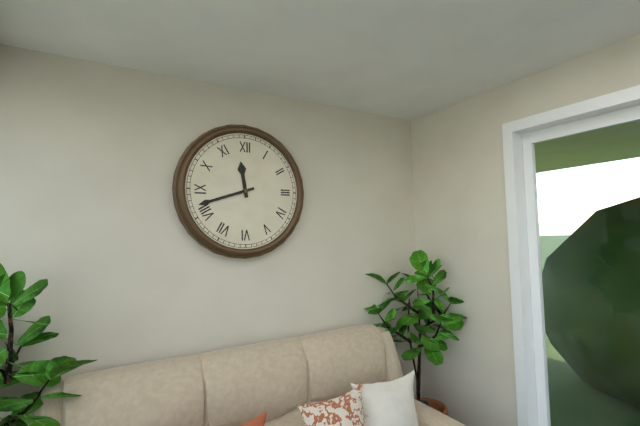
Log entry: {"hour": 11, "minute": 42}
